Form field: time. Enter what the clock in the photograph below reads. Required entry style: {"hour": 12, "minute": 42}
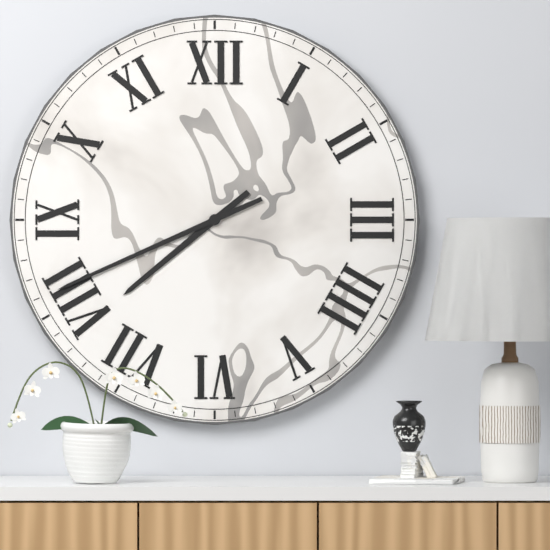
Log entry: {"hour": 7, "minute": 41}
